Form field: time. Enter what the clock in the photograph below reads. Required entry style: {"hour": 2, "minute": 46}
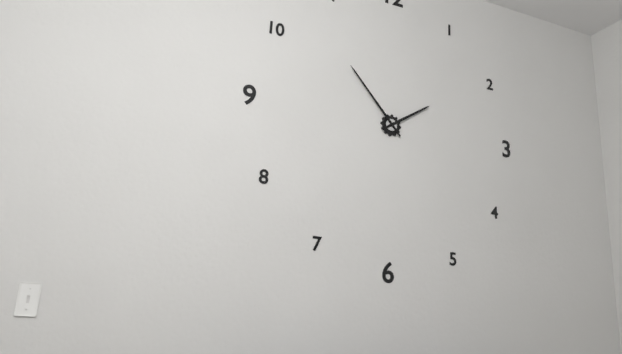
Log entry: {"hour": 1, "minute": 53}
